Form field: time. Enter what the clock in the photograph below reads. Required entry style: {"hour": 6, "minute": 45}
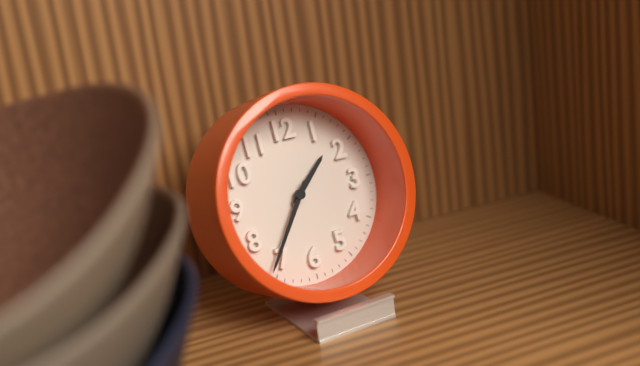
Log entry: {"hour": 1, "minute": 36}
